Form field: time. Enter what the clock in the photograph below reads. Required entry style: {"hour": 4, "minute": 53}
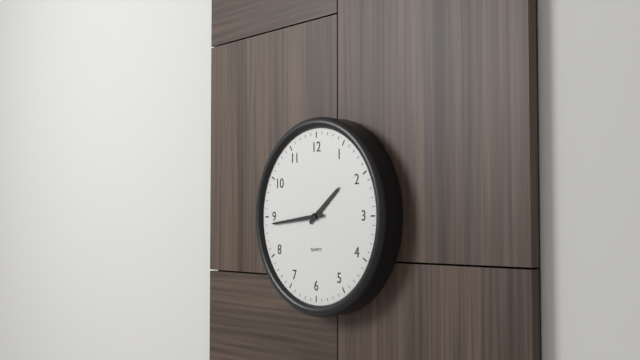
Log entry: {"hour": 1, "minute": 44}
